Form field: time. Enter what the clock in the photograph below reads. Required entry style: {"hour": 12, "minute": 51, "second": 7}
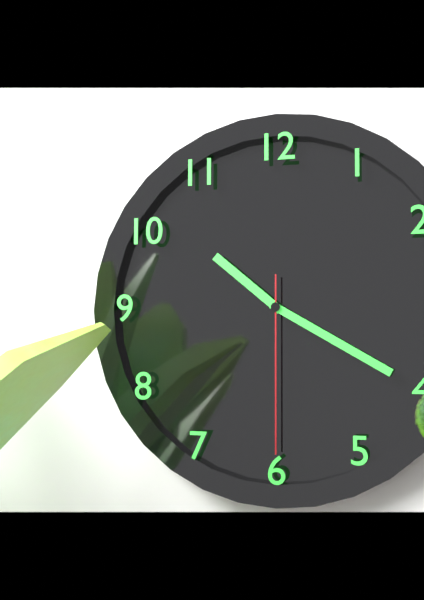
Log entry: {"hour": 10, "minute": 20, "second": 30}
